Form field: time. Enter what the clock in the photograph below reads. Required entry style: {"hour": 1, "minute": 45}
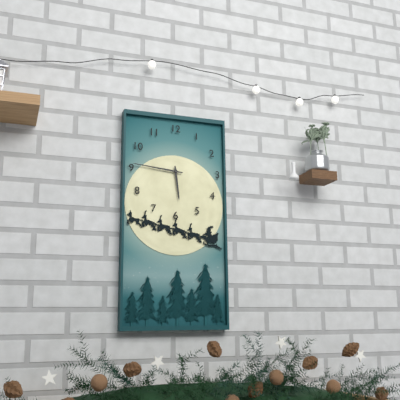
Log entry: {"hour": 5, "minute": 46}
